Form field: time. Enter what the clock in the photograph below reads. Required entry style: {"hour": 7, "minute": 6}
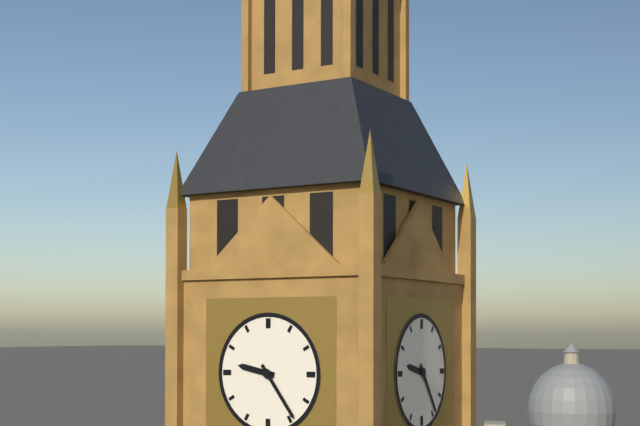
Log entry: {"hour": 9, "minute": 24}
